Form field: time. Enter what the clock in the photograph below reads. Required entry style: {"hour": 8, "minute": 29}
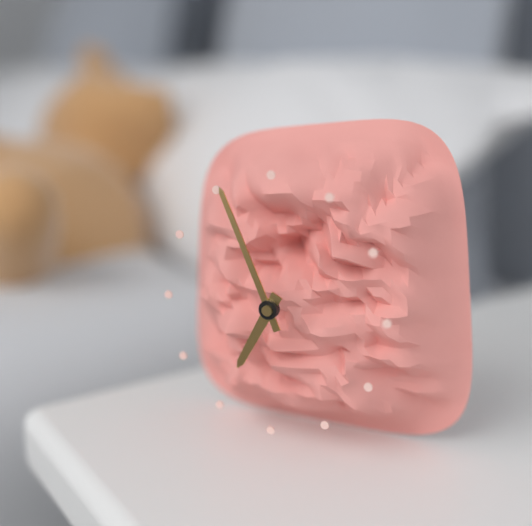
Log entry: {"hour": 6, "minute": 56}
